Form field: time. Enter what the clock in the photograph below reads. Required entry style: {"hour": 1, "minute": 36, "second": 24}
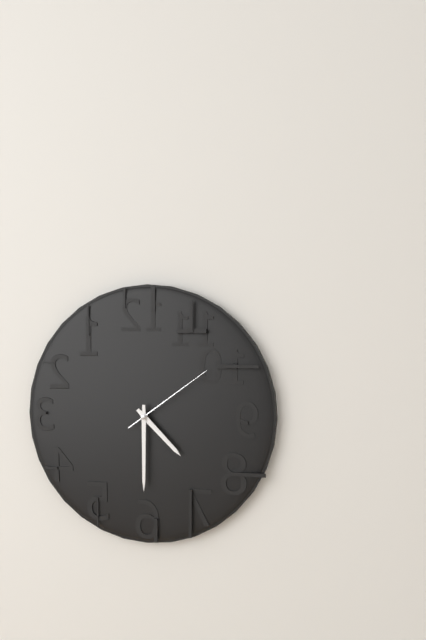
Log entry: {"hour": 4, "minute": 30, "second": 9}
